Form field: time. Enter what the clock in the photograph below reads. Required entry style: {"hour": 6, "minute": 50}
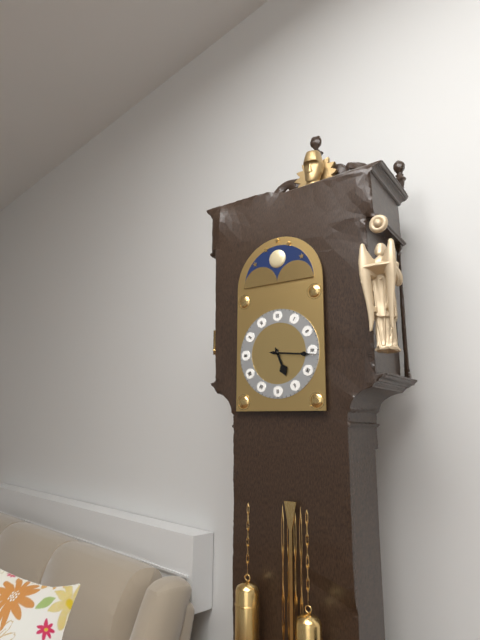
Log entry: {"hour": 5, "minute": 16}
